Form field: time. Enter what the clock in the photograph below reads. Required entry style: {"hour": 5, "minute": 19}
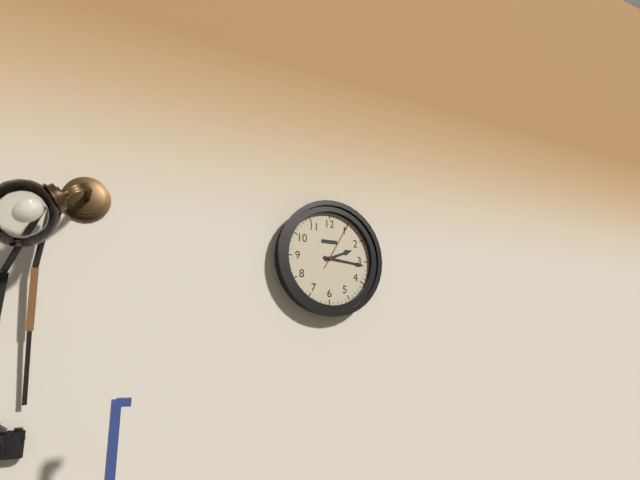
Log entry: {"hour": 2, "minute": 16}
